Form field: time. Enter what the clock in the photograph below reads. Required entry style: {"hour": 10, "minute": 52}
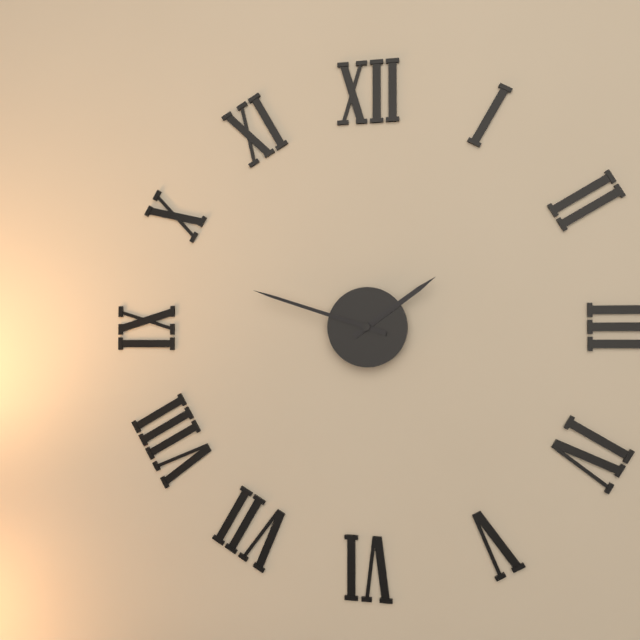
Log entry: {"hour": 1, "minute": 48}
